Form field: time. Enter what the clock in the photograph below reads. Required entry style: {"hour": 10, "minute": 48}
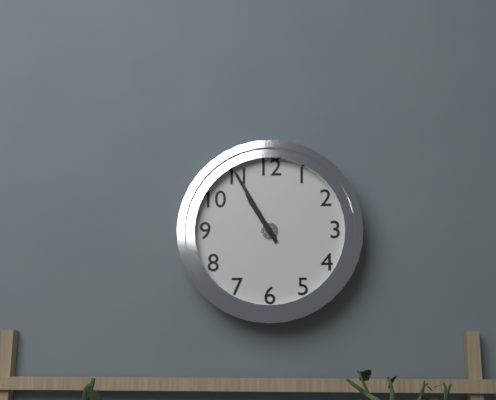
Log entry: {"hour": 10, "minute": 55}
